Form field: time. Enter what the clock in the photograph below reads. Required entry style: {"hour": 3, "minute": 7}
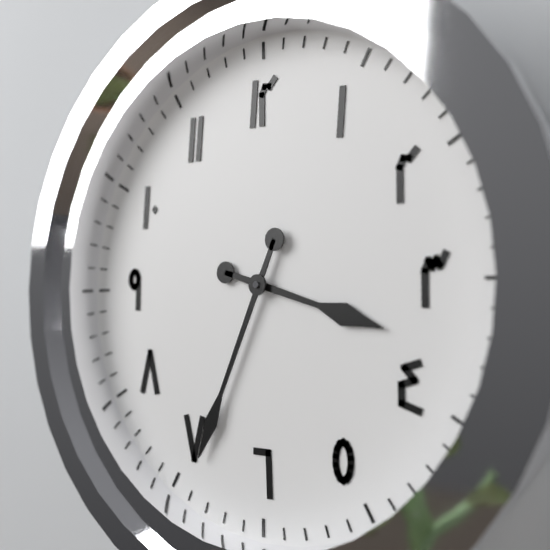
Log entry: {"hour": 3, "minute": 34}
